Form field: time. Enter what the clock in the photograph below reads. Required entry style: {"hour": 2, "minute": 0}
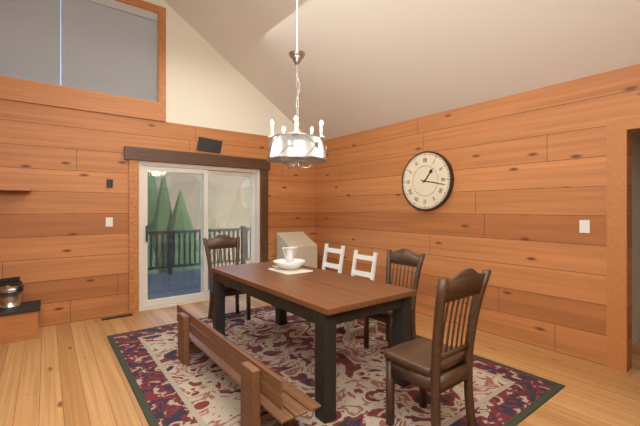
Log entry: {"hour": 1, "minute": 17}
